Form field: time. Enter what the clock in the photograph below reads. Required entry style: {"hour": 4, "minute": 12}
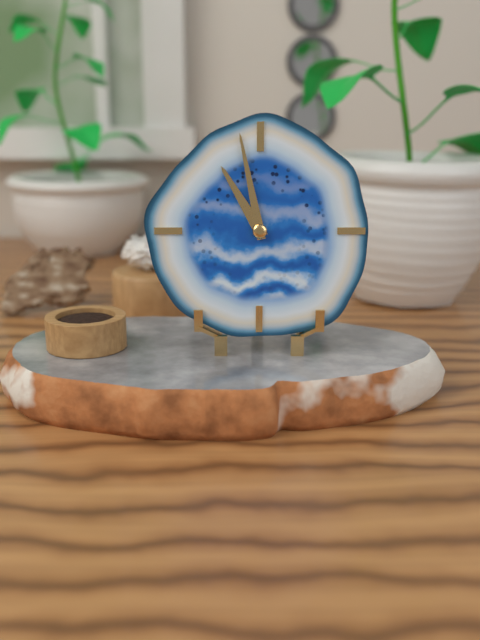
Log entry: {"hour": 10, "minute": 58}
